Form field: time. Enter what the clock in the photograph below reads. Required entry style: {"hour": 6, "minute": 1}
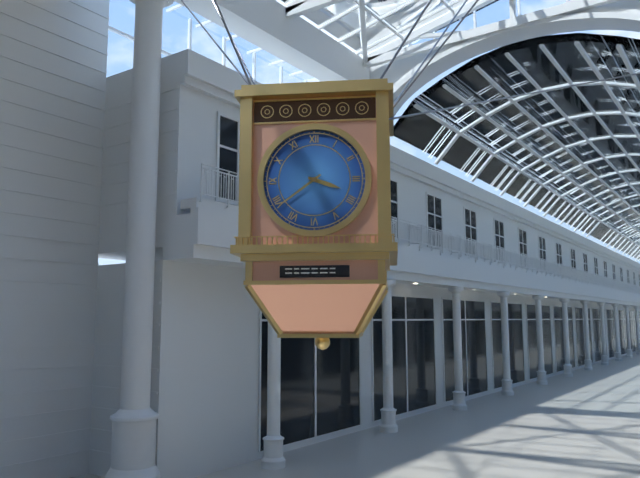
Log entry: {"hour": 3, "minute": 39}
